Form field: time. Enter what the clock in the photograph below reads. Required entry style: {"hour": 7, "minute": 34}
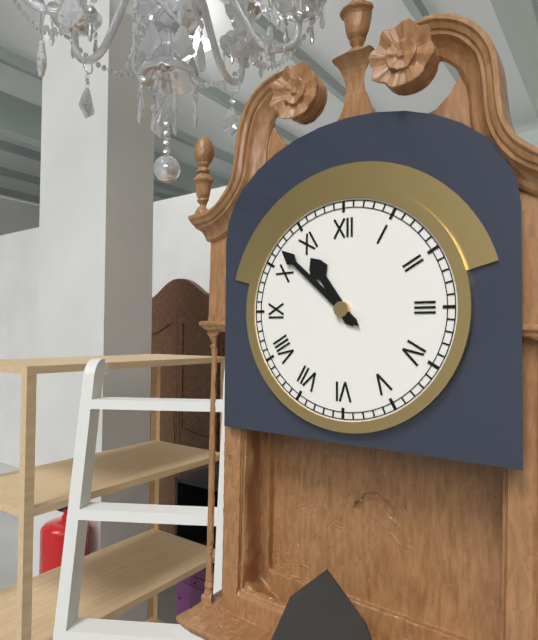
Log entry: {"hour": 10, "minute": 52}
